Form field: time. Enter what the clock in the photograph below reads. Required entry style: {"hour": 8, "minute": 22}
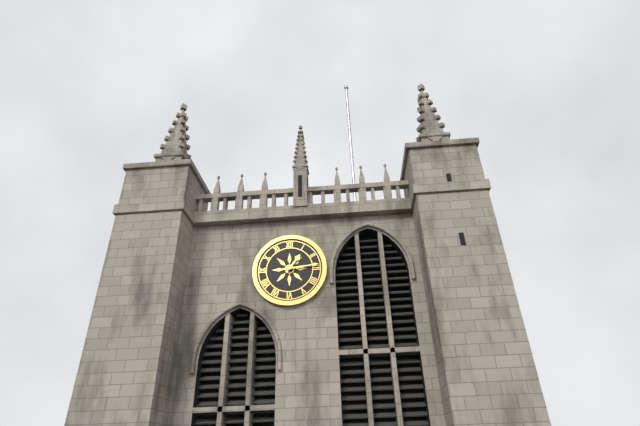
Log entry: {"hour": 1, "minute": 14}
